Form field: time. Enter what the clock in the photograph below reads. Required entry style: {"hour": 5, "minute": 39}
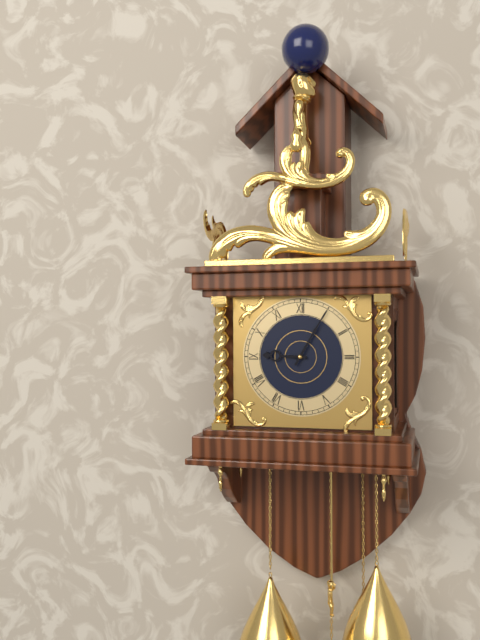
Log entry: {"hour": 9, "minute": 5}
